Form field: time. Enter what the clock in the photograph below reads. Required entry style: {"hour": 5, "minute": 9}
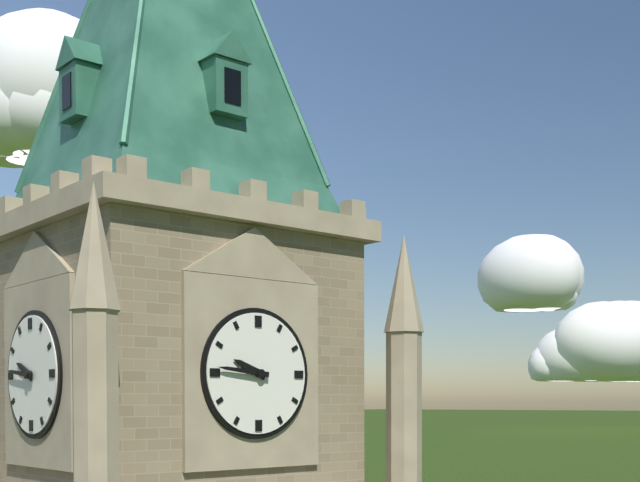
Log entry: {"hour": 9, "minute": 46}
